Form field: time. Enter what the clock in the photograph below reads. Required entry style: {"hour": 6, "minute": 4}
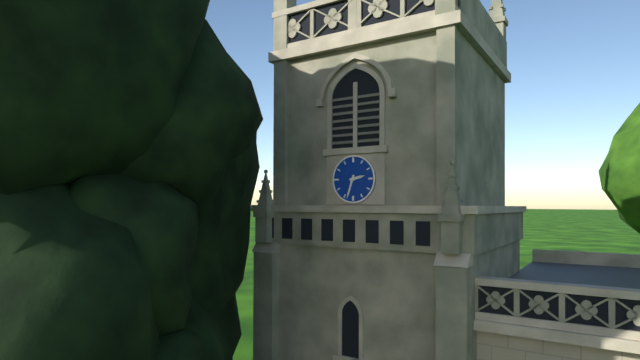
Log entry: {"hour": 2, "minute": 33}
